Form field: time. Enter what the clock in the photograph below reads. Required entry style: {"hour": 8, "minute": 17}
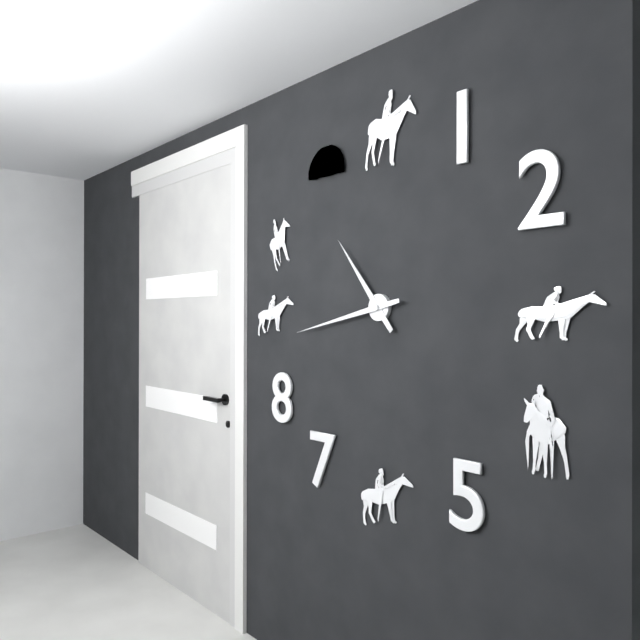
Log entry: {"hour": 10, "minute": 43}
